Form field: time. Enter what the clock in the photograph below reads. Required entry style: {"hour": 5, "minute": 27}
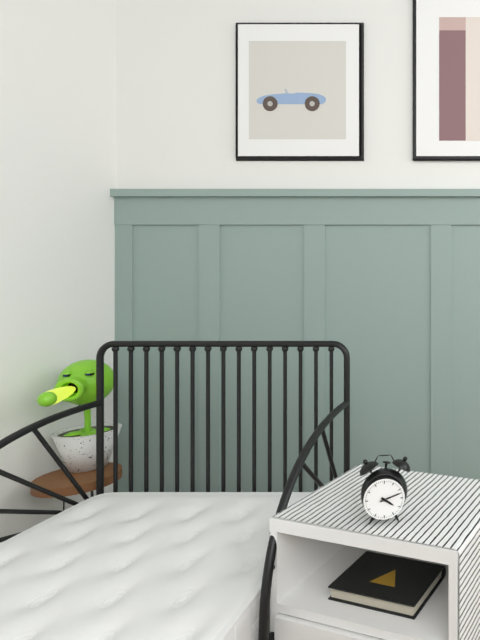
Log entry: {"hour": 4, "minute": 12}
